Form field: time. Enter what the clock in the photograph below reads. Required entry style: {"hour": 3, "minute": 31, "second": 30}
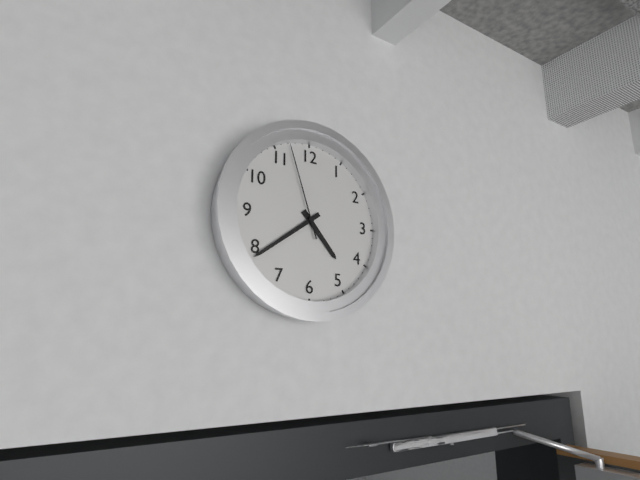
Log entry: {"hour": 4, "minute": 39, "second": 57}
